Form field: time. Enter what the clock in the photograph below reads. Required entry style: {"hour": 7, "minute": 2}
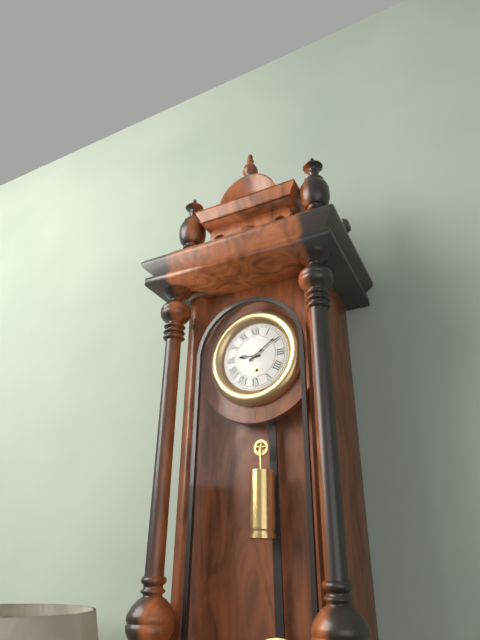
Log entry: {"hour": 9, "minute": 9}
